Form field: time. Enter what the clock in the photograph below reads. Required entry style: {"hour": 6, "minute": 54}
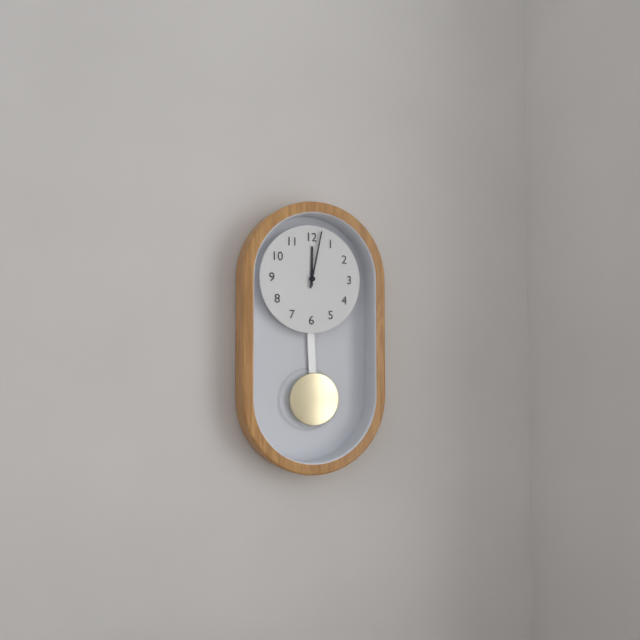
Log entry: {"hour": 12, "minute": 2}
